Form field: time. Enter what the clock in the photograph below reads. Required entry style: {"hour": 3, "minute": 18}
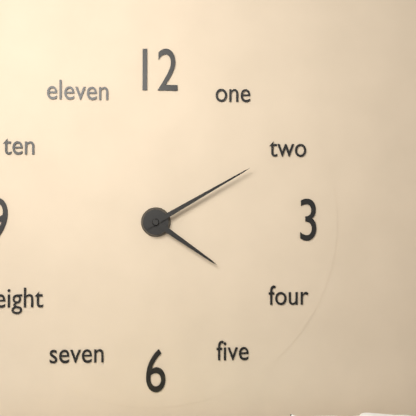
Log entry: {"hour": 4, "minute": 10}
